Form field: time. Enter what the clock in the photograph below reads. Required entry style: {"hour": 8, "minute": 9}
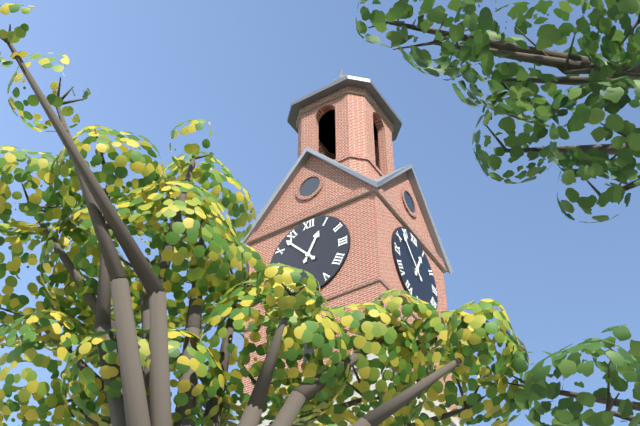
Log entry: {"hour": 12, "minute": 53}
